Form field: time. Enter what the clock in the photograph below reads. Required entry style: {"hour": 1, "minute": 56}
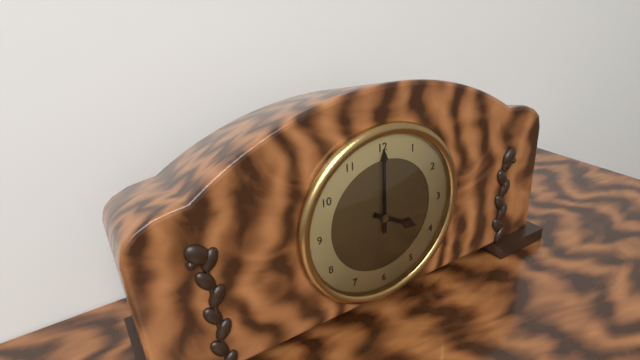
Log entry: {"hour": 4, "minute": 0}
